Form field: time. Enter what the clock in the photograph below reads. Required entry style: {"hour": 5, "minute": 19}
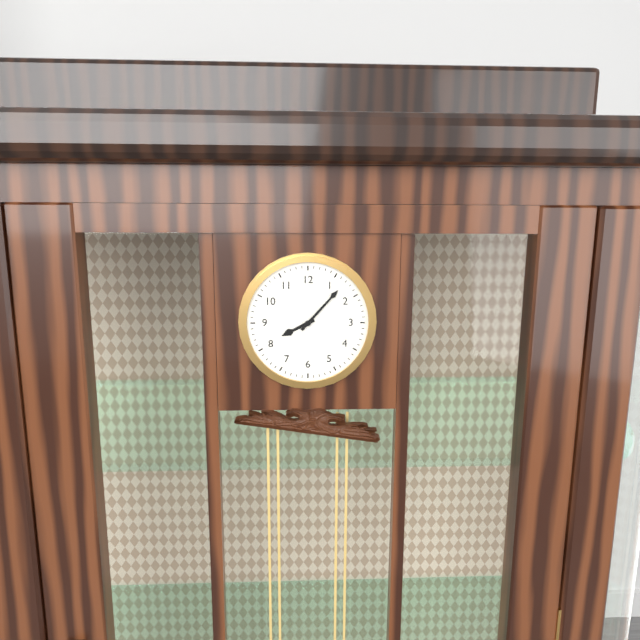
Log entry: {"hour": 8, "minute": 7}
